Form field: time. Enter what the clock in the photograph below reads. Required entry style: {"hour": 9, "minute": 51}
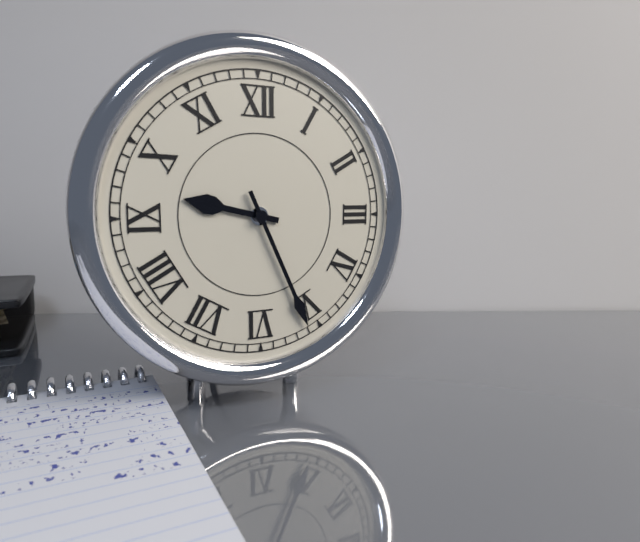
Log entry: {"hour": 9, "minute": 26}
